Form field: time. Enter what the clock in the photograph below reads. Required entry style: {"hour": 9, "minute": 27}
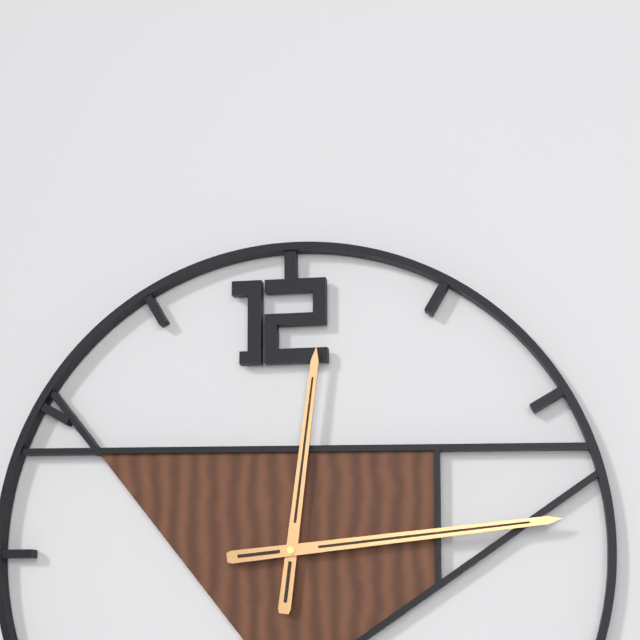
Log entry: {"hour": 12, "minute": 14}
